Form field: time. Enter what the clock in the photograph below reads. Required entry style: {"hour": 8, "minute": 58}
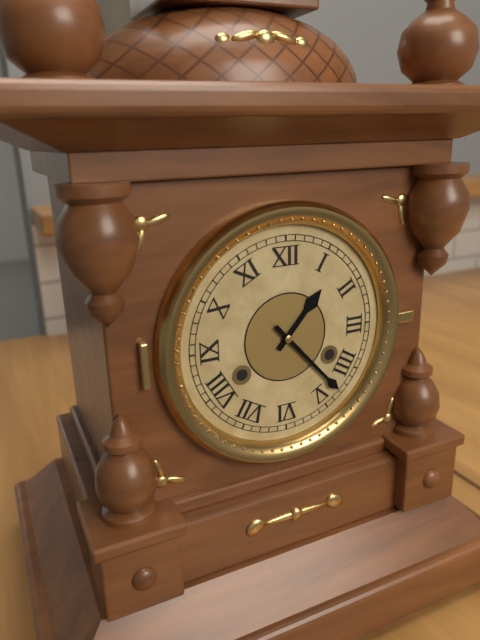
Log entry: {"hour": 1, "minute": 23}
